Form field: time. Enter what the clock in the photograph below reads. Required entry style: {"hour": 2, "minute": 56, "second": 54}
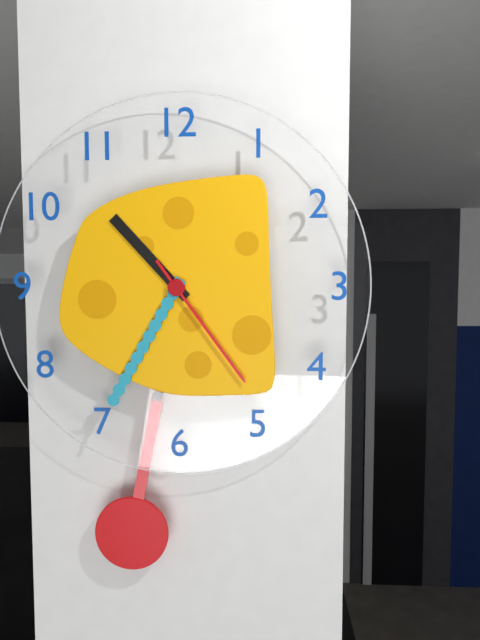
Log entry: {"hour": 10, "minute": 35, "second": 24}
